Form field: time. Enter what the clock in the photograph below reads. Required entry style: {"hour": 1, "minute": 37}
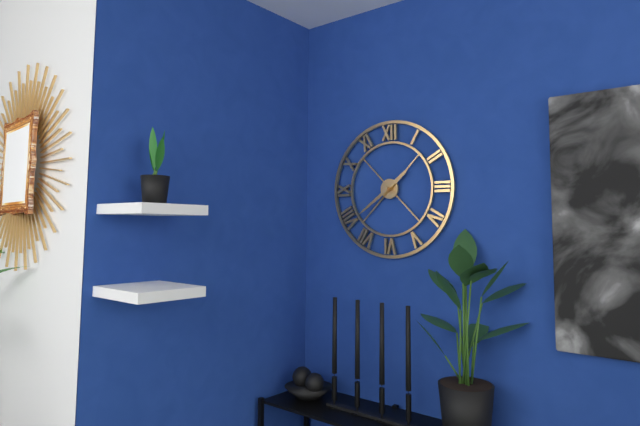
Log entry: {"hour": 1, "minute": 39}
